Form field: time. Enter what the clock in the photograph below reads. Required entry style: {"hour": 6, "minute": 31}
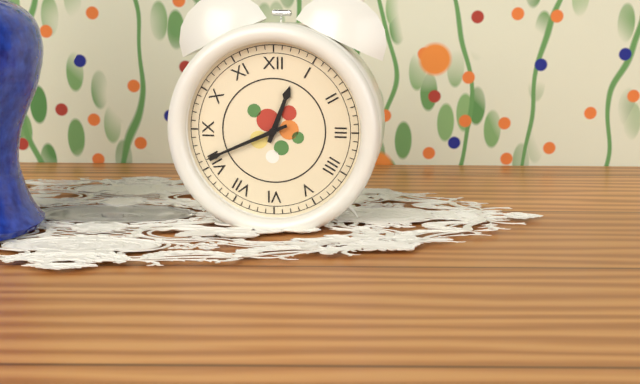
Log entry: {"hour": 12, "minute": 41}
